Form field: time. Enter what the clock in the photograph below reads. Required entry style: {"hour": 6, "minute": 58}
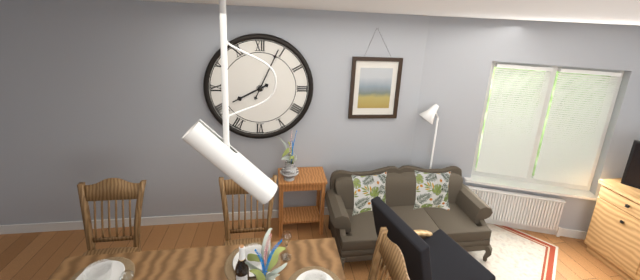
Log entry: {"hour": 8, "minute": 4}
